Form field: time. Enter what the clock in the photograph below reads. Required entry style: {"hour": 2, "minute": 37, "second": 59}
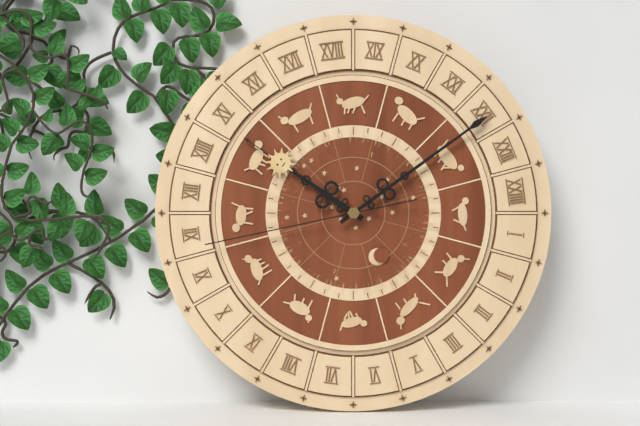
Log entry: {"hour": 10, "minute": 9, "second": 43}
